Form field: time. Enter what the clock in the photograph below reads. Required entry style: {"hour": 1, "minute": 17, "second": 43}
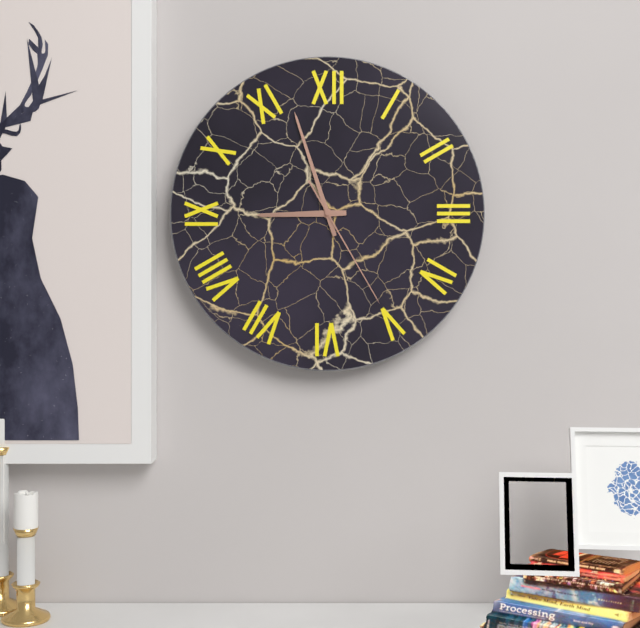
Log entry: {"hour": 8, "minute": 57, "second": 25}
